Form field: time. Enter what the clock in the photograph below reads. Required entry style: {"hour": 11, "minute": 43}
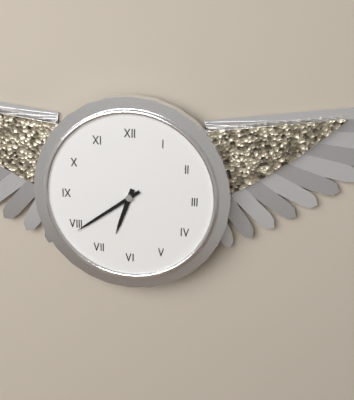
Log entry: {"hour": 6, "minute": 39}
